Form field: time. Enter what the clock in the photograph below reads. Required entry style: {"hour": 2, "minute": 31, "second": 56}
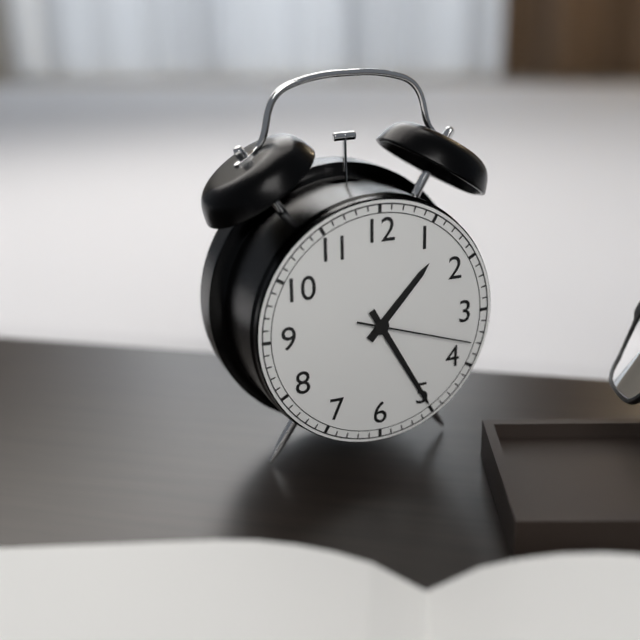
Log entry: {"hour": 1, "minute": 25, "second": 18}
